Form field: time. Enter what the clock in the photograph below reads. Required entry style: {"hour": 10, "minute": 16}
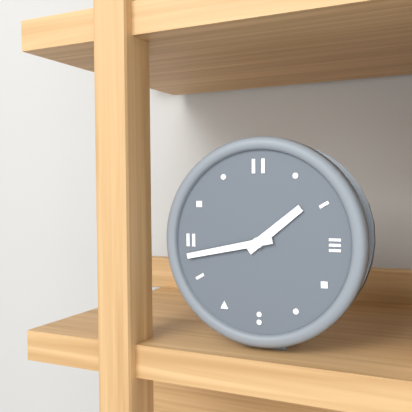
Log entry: {"hour": 1, "minute": 43}
